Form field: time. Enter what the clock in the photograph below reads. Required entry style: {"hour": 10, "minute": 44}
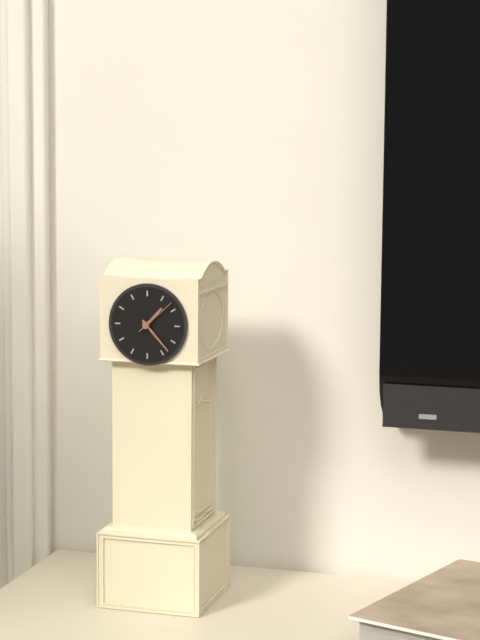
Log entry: {"hour": 1, "minute": 23}
